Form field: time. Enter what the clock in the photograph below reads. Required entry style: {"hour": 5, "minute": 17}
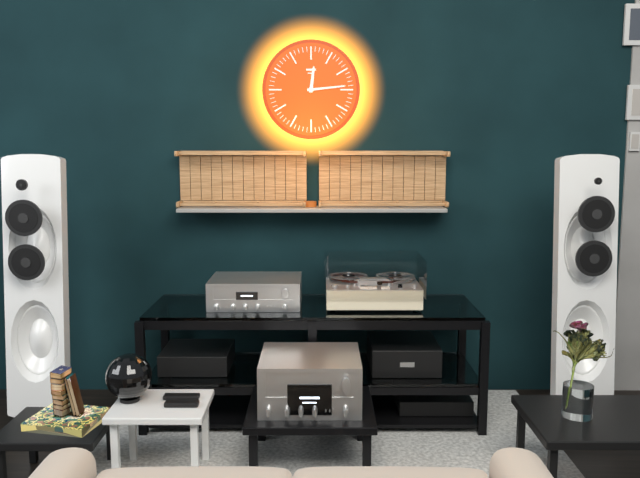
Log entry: {"hour": 12, "minute": 14}
